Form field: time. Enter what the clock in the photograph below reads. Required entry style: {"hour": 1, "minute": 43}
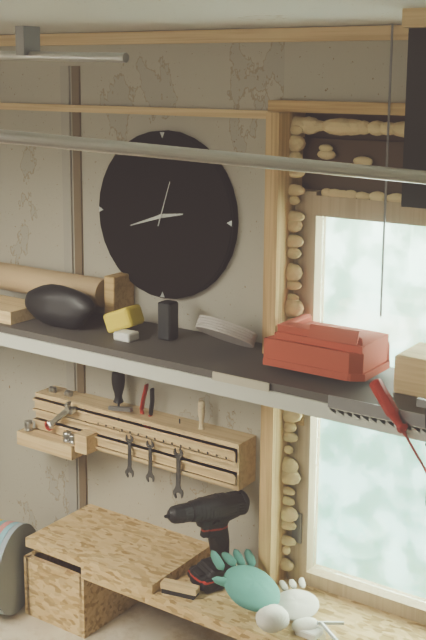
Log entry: {"hour": 2, "minute": 42}
